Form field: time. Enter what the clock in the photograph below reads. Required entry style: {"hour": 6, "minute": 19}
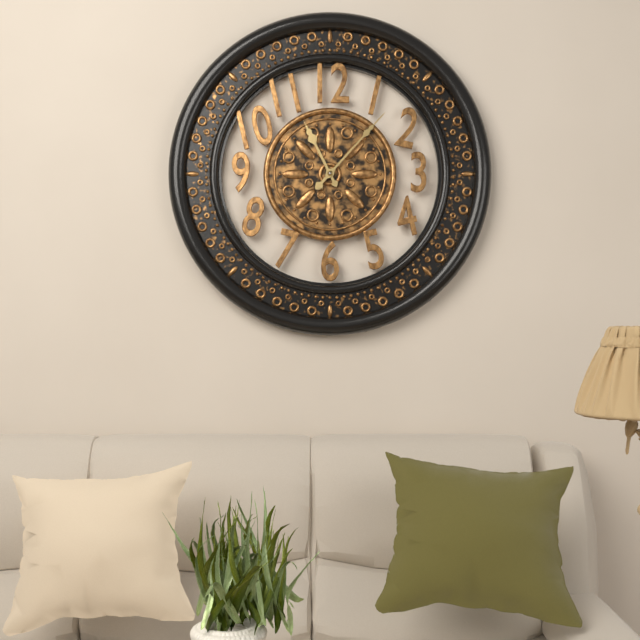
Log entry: {"hour": 11, "minute": 7}
